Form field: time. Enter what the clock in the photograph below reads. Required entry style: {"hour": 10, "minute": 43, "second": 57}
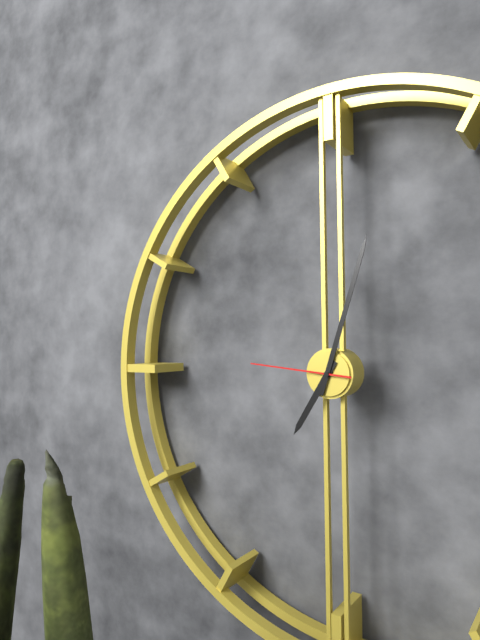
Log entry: {"hour": 7, "minute": 3, "second": 46}
